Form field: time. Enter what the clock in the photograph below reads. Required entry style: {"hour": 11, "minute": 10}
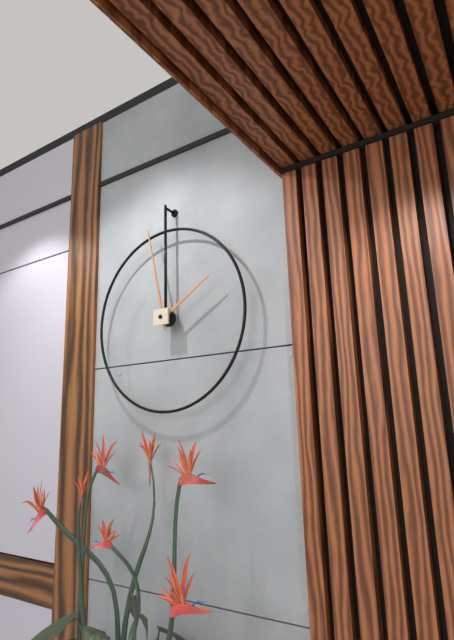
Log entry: {"hour": 1, "minute": 58}
